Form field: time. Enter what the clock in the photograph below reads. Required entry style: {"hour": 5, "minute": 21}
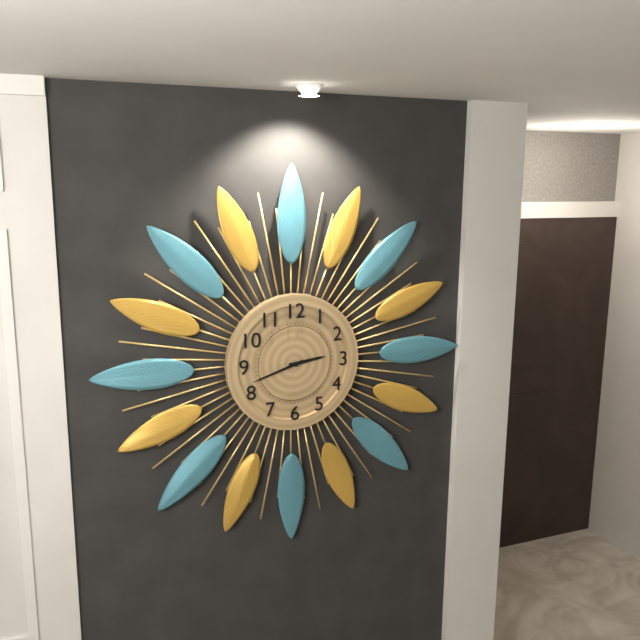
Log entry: {"hour": 2, "minute": 42}
